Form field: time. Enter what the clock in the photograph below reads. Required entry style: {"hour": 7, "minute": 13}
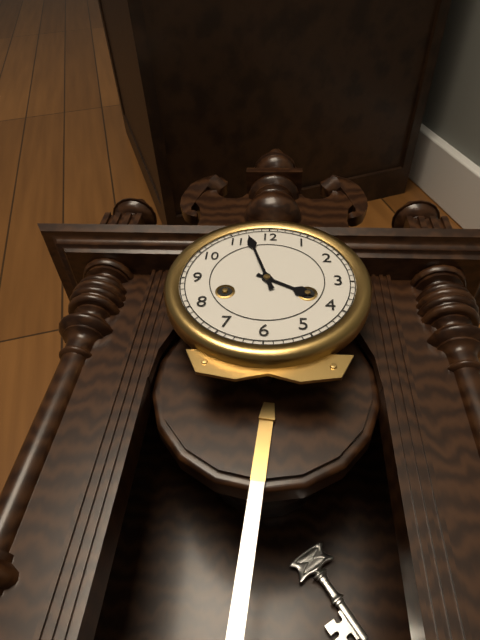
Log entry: {"hour": 3, "minute": 57}
